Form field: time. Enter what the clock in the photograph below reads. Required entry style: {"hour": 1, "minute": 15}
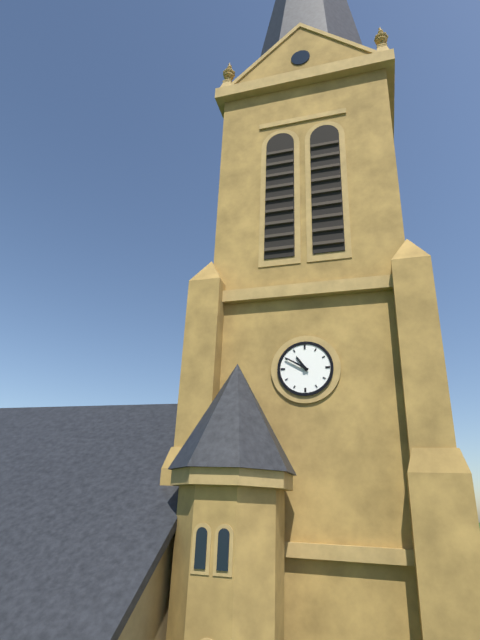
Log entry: {"hour": 10, "minute": 50}
